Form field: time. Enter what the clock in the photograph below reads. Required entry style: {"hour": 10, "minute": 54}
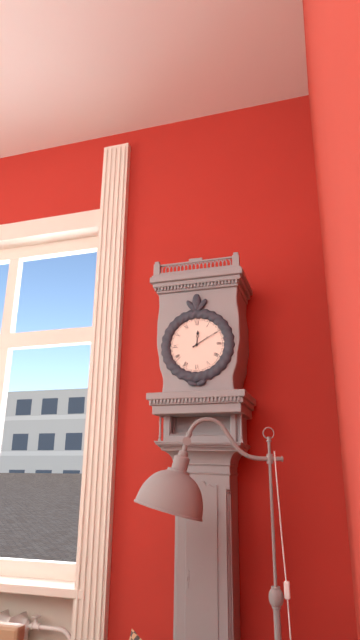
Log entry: {"hour": 12, "minute": 10}
